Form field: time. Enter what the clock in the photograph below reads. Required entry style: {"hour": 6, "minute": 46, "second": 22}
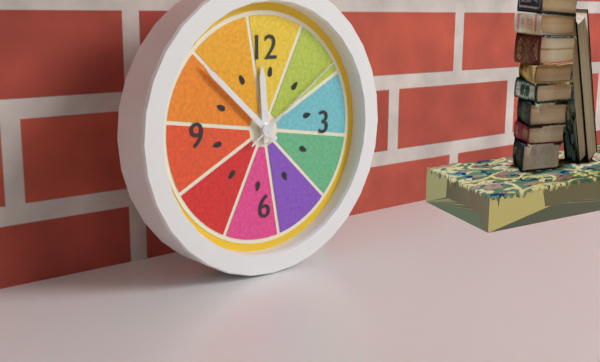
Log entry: {"hour": 11, "minute": 52, "second": 9}
